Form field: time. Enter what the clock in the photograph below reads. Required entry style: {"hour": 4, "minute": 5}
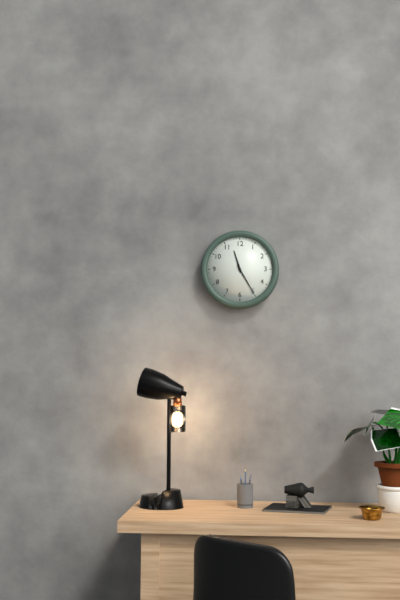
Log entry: {"hour": 11, "minute": 25}
